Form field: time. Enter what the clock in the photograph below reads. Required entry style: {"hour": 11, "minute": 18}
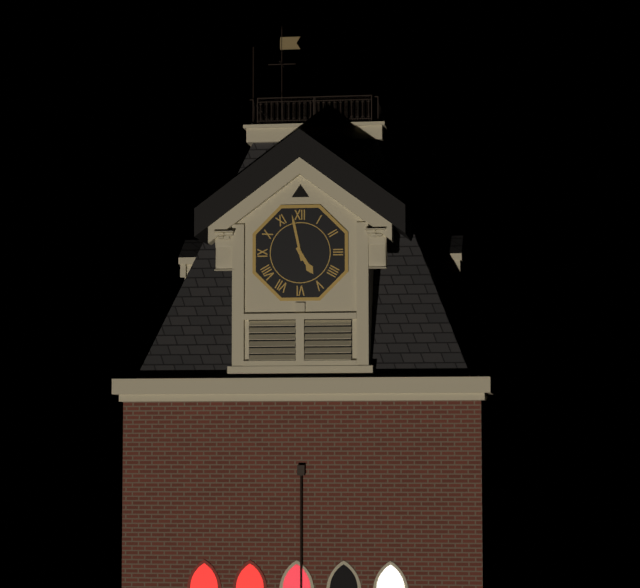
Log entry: {"hour": 4, "minute": 58}
